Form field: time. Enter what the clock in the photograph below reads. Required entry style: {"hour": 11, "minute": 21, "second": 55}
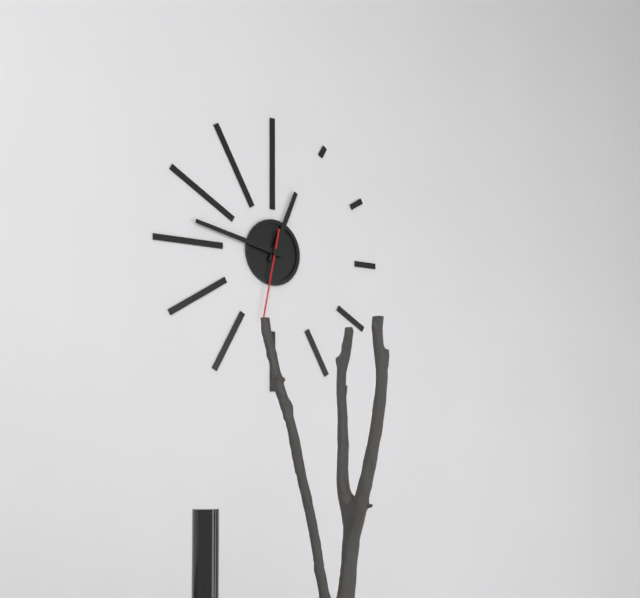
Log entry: {"hour": 12, "minute": 47, "second": 32}
